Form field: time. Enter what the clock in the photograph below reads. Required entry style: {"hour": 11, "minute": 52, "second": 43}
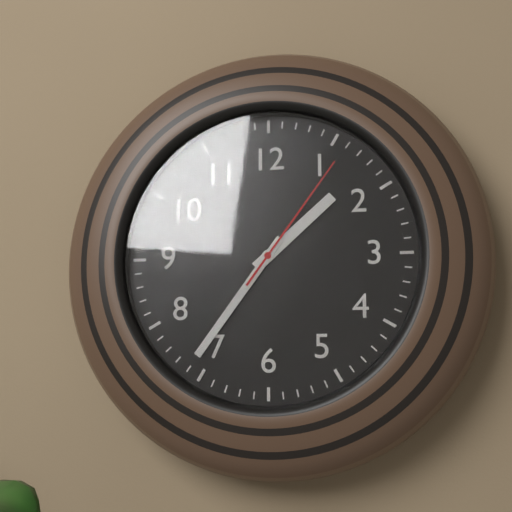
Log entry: {"hour": 1, "minute": 36, "second": 6}
